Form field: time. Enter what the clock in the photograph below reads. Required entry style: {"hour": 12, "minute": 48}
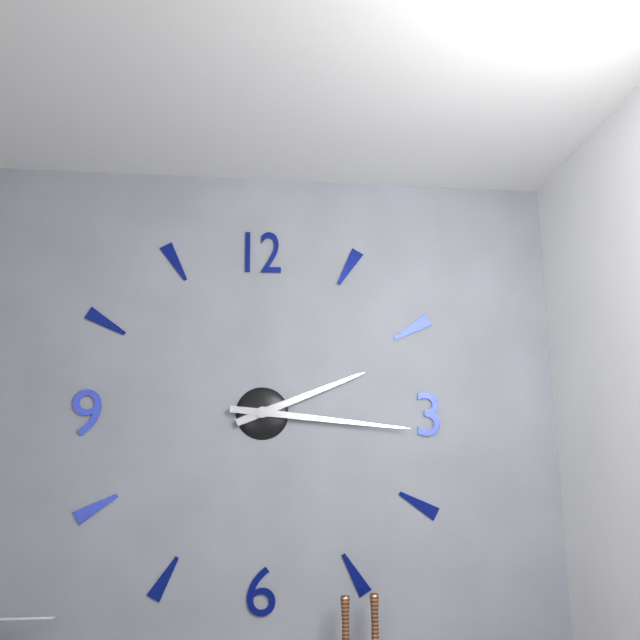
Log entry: {"hour": 2, "minute": 16}
